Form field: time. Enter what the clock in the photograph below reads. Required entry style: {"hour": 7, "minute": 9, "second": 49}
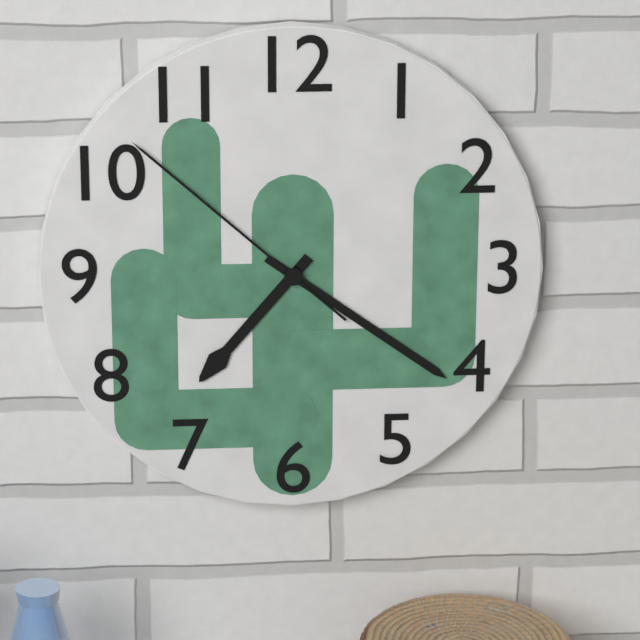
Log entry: {"hour": 7, "minute": 21, "second": 52}
